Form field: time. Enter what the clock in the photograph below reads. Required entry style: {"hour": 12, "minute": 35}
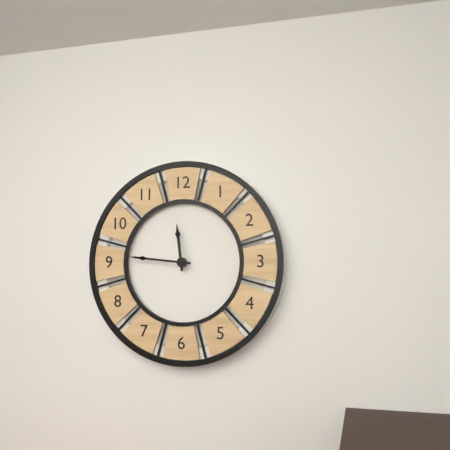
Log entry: {"hour": 11, "minute": 46}
